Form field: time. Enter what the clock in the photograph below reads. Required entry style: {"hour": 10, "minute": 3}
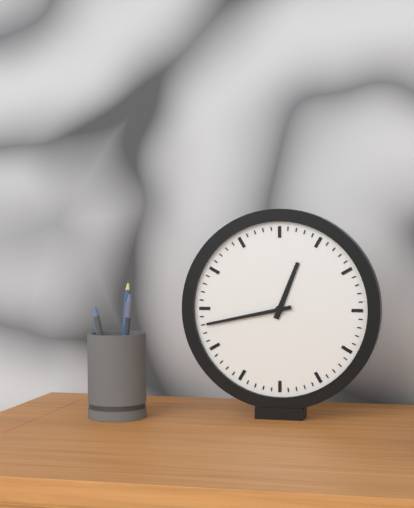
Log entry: {"hour": 12, "minute": 43}
